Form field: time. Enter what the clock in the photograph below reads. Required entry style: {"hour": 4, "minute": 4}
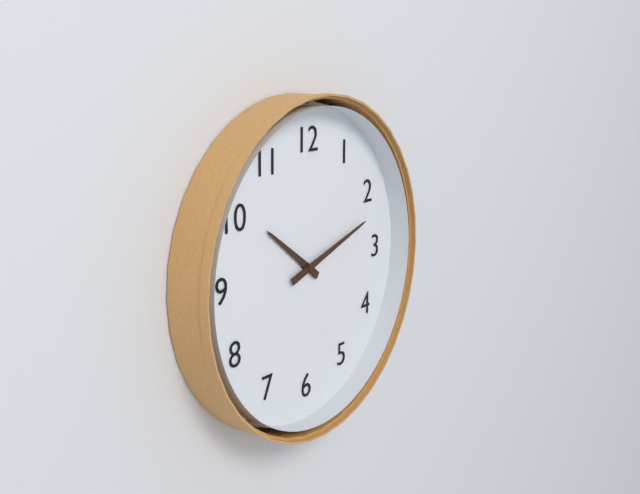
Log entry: {"hour": 10, "minute": 12}
